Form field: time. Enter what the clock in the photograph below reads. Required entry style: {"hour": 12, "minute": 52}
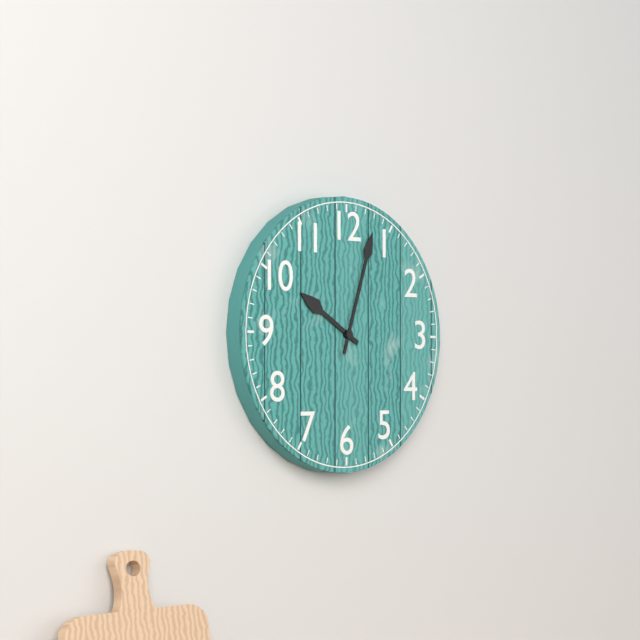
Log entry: {"hour": 10, "minute": 3}
